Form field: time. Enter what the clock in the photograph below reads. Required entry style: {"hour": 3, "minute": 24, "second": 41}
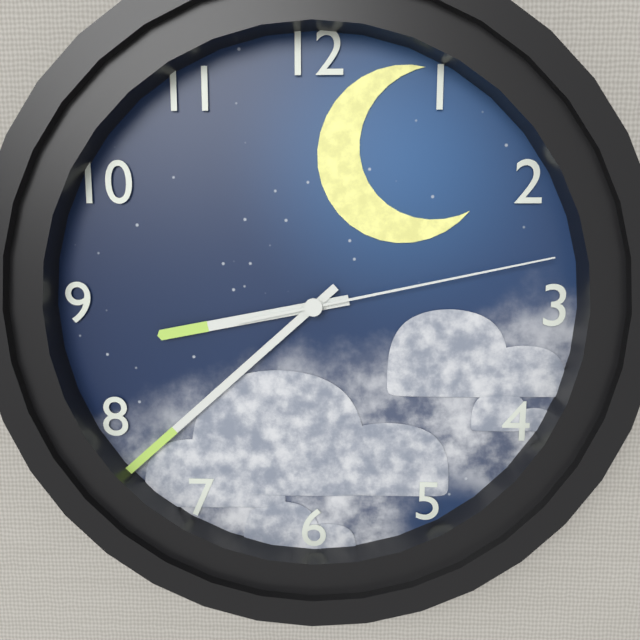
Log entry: {"hour": 8, "minute": 38, "second": 13}
